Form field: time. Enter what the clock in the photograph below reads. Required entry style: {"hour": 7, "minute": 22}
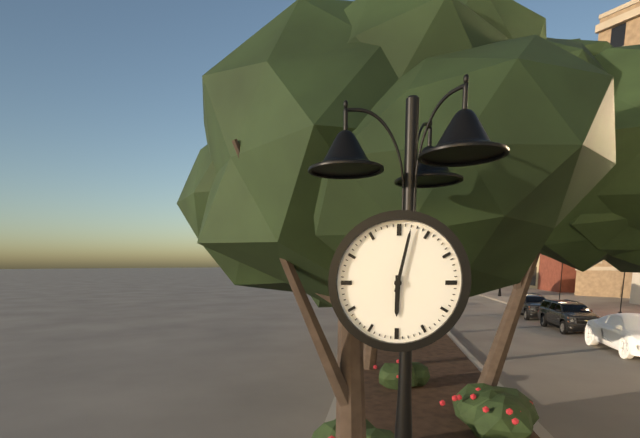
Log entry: {"hour": 6, "minute": 2}
